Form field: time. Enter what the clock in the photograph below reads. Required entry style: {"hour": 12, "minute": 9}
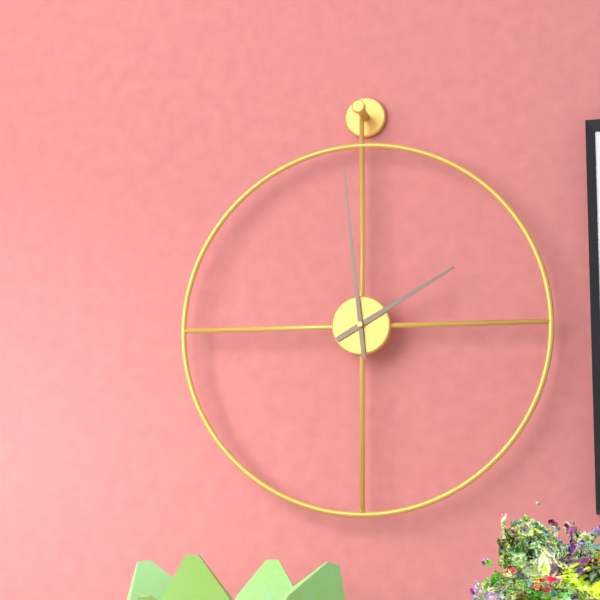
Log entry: {"hour": 1, "minute": 59}
